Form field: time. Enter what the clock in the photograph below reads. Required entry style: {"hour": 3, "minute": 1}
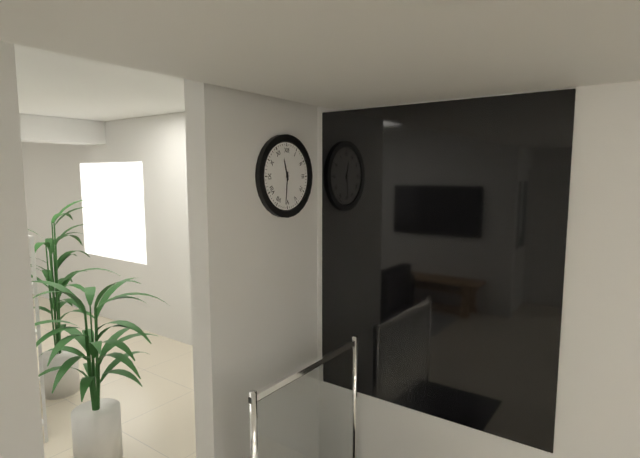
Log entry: {"hour": 11, "minute": 31}
